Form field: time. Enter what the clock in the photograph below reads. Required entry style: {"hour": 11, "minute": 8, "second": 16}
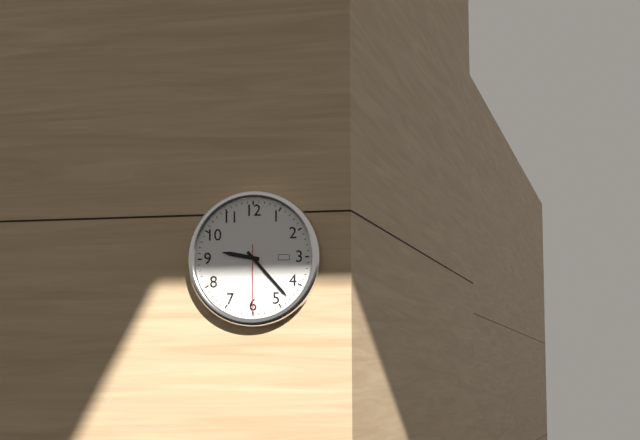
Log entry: {"hour": 9, "minute": 23, "second": 30}
